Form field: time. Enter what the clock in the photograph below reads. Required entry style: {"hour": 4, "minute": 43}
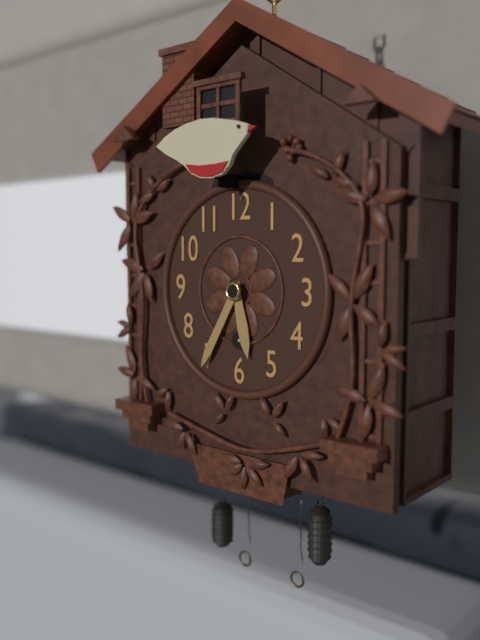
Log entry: {"hour": 5, "minute": 35}
